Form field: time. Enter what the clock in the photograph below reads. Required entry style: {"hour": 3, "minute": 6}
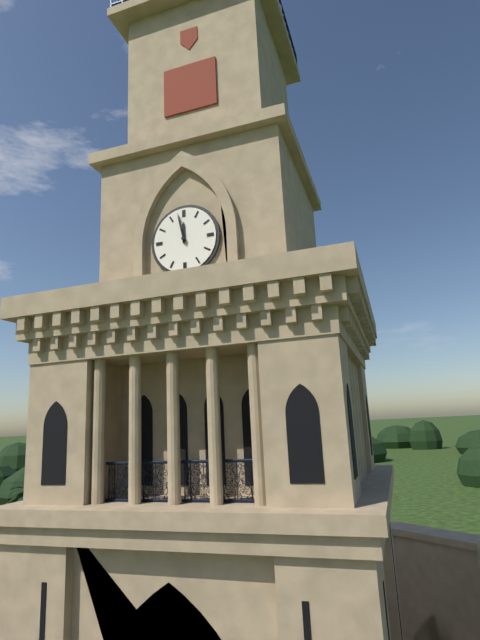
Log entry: {"hour": 11, "minute": 58}
